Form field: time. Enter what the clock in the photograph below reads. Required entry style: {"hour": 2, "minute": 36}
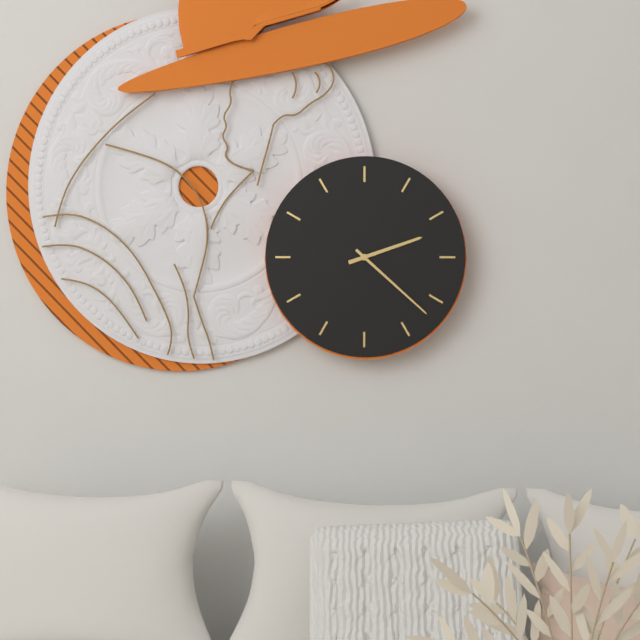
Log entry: {"hour": 2, "minute": 22}
